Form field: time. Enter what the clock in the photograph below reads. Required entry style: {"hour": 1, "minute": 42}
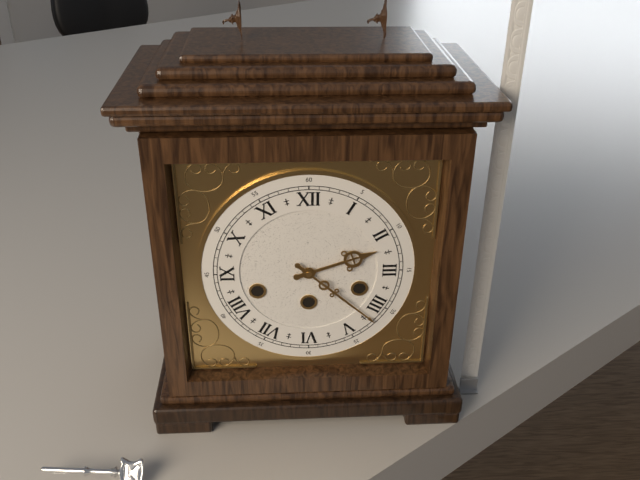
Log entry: {"hour": 2, "minute": 22}
